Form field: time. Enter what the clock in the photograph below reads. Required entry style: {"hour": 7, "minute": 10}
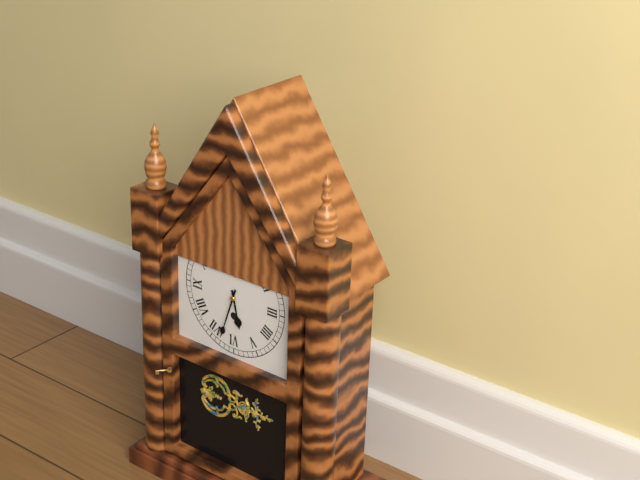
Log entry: {"hour": 5, "minute": 33}
